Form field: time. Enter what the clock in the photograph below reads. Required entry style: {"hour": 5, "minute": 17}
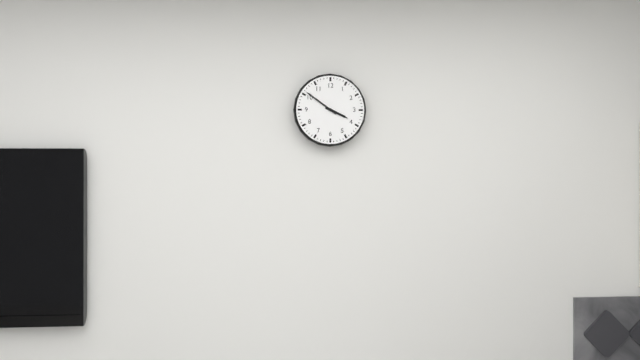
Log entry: {"hour": 3, "minute": 51}
